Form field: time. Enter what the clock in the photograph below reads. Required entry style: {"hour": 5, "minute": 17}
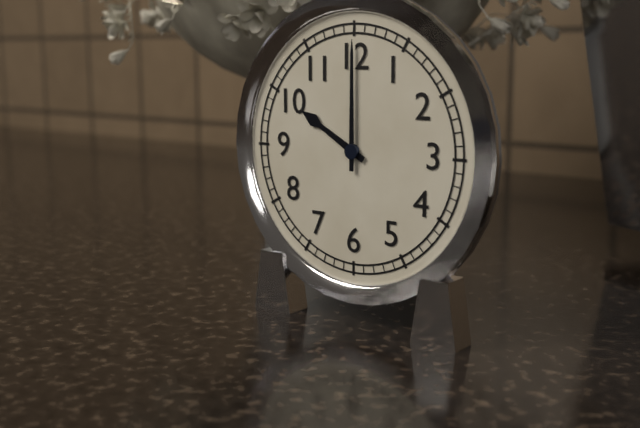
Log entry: {"hour": 10, "minute": 0}
